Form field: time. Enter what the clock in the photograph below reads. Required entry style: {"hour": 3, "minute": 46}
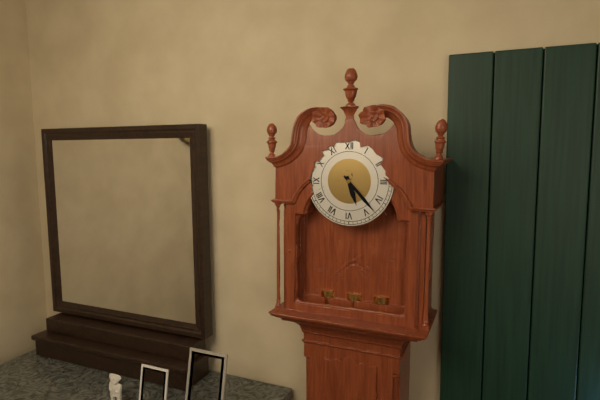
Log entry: {"hour": 5, "minute": 23}
